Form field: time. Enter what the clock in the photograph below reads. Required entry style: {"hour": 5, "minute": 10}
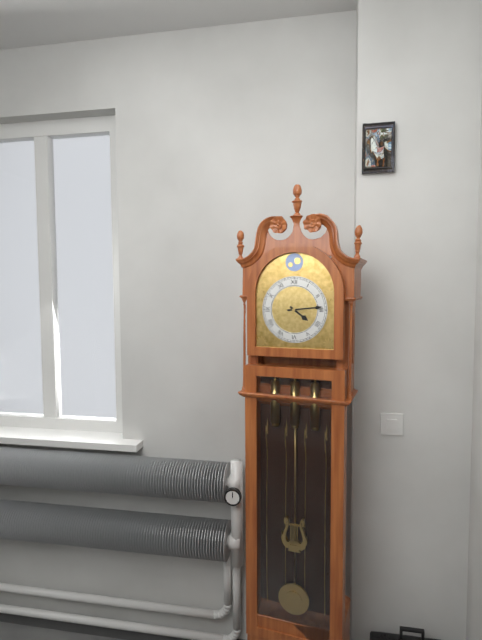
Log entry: {"hour": 4, "minute": 14}
